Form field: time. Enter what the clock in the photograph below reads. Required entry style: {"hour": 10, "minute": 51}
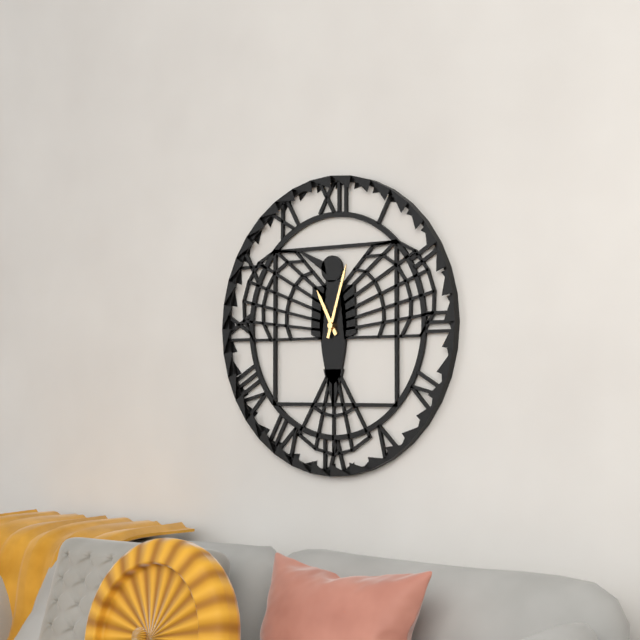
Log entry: {"hour": 11, "minute": 3}
